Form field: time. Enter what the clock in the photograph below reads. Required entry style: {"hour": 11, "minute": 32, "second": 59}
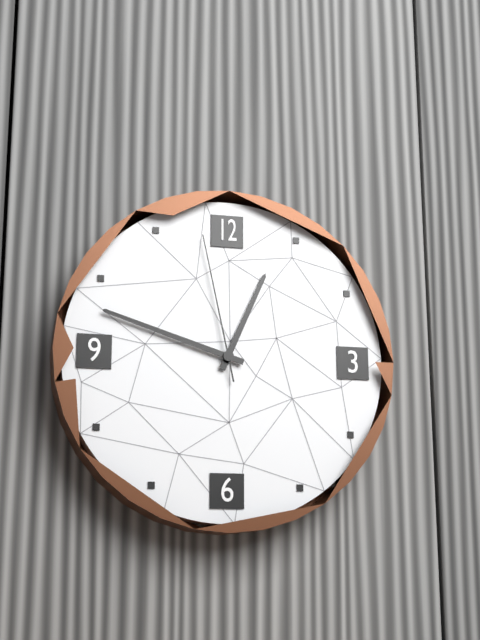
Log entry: {"hour": 12, "minute": 48, "second": 58}
